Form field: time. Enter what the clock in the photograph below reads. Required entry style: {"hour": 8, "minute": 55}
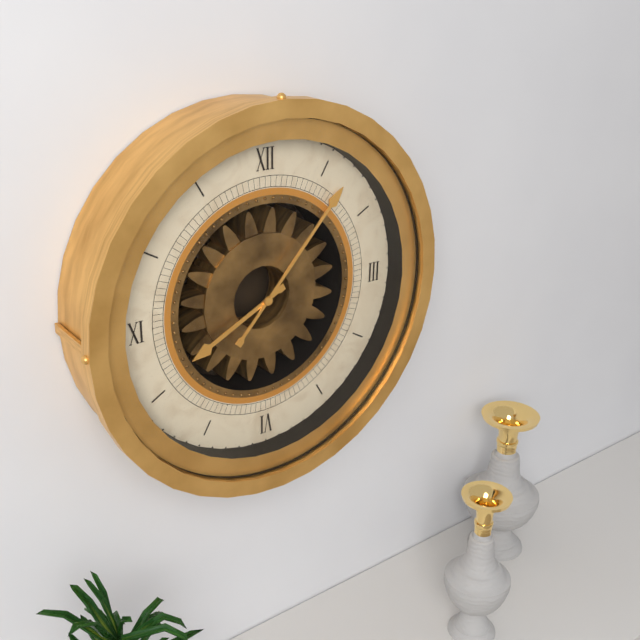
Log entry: {"hour": 8, "minute": 7}
